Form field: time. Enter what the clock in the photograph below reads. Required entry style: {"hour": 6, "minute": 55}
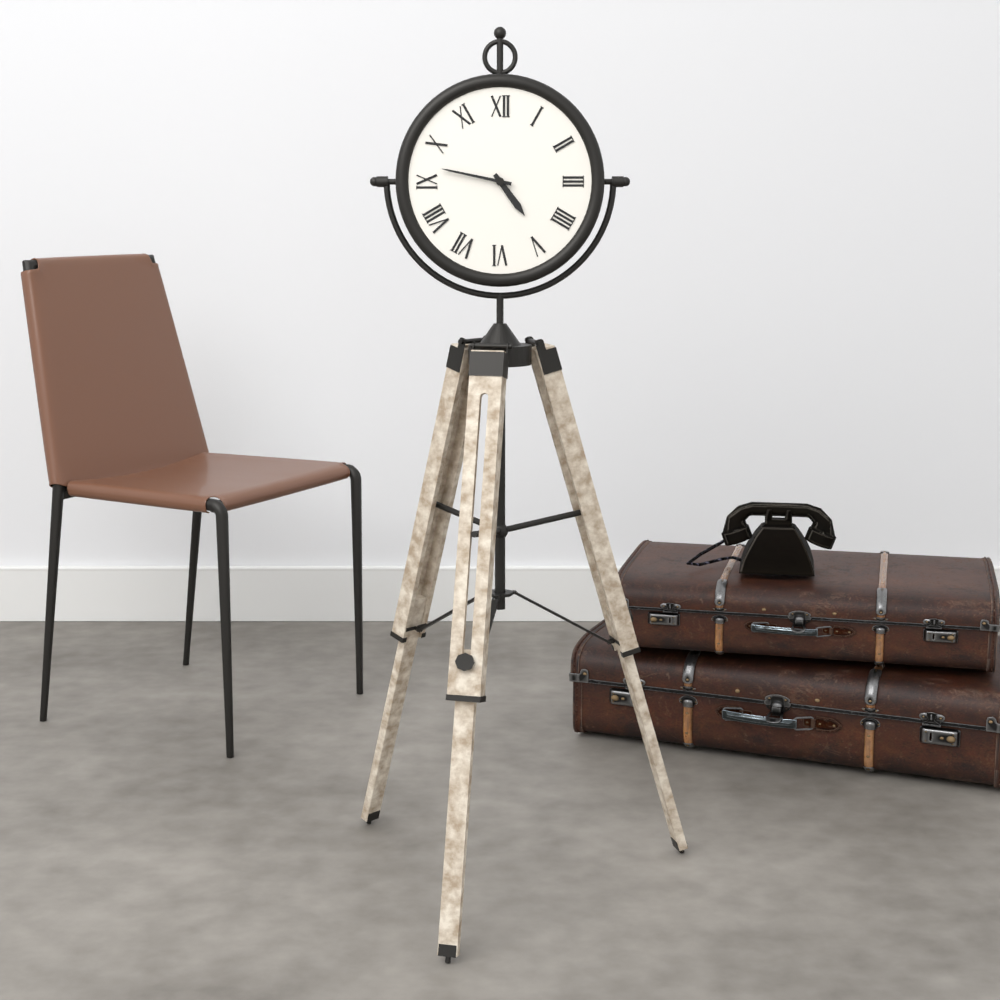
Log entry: {"hour": 4, "minute": 47}
